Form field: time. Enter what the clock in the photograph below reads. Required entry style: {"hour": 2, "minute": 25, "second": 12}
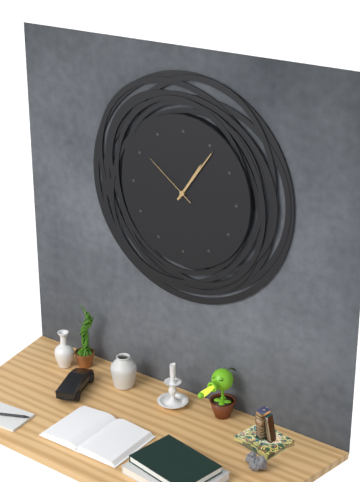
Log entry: {"hour": 1, "minute": 6, "second": 51}
